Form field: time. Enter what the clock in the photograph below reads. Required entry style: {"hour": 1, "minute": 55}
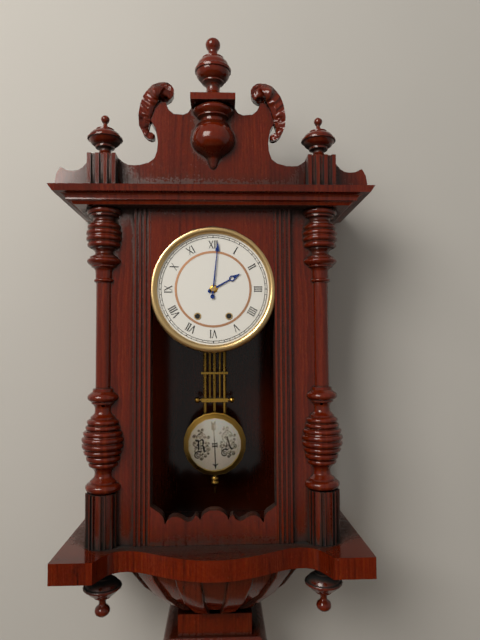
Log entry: {"hour": 2, "minute": 1}
